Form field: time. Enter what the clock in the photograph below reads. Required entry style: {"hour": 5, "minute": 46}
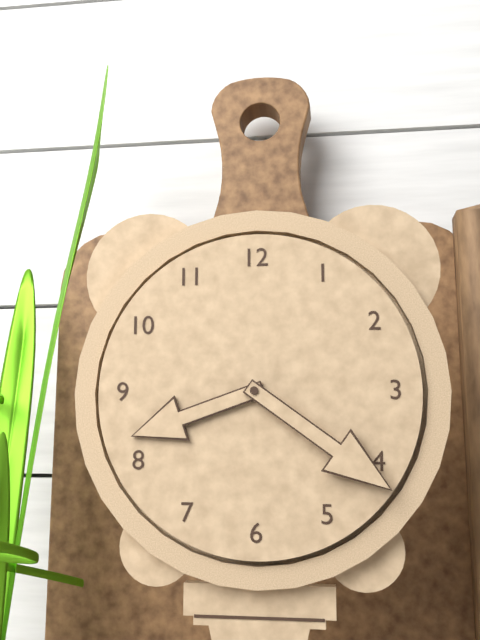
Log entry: {"hour": 8, "minute": 21}
